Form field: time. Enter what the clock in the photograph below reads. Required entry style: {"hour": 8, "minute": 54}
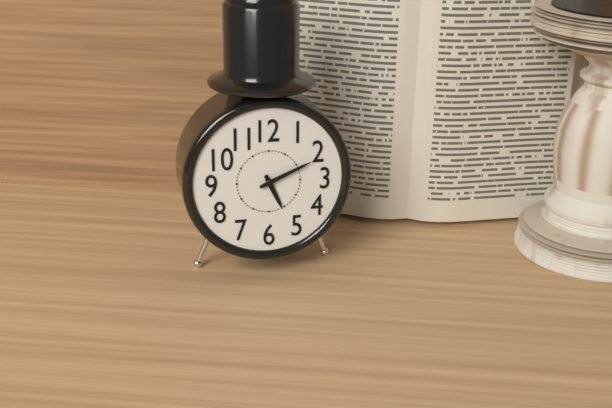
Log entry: {"hour": 5, "minute": 11}
